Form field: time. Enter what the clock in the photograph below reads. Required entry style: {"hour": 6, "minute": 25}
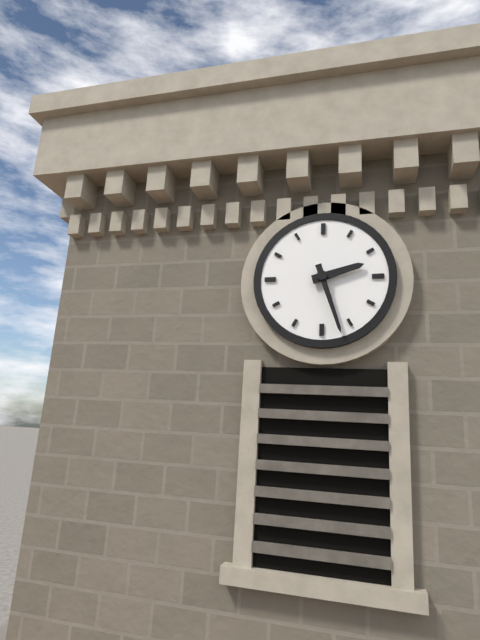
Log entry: {"hour": 2, "minute": 27}
